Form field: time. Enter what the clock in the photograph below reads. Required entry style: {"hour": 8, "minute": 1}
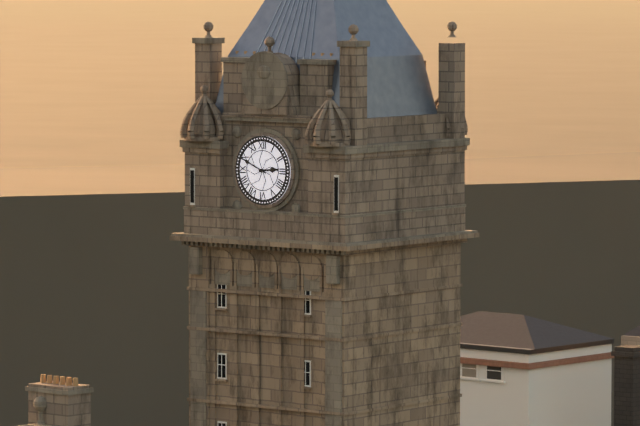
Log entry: {"hour": 2, "minute": 49}
